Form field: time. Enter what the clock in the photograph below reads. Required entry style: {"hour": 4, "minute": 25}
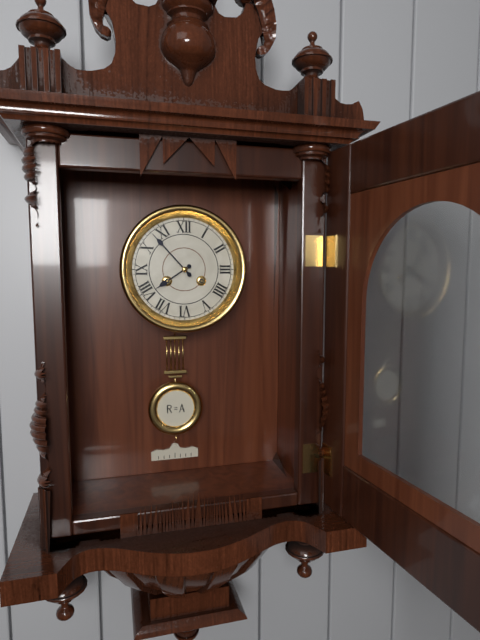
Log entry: {"hour": 7, "minute": 53}
